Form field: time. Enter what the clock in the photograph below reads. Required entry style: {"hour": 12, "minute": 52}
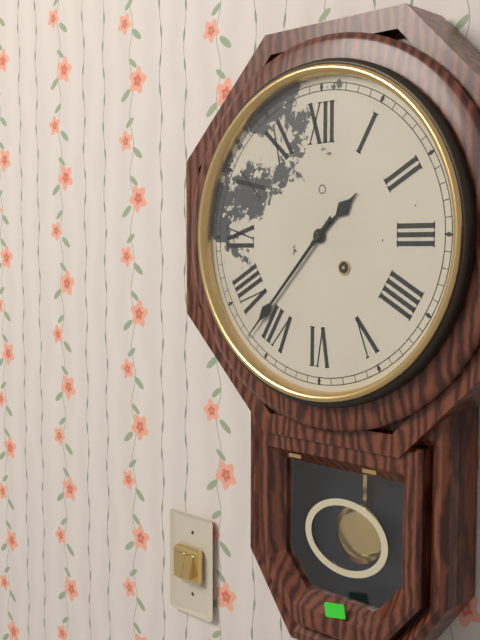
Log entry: {"hour": 1, "minute": 37}
